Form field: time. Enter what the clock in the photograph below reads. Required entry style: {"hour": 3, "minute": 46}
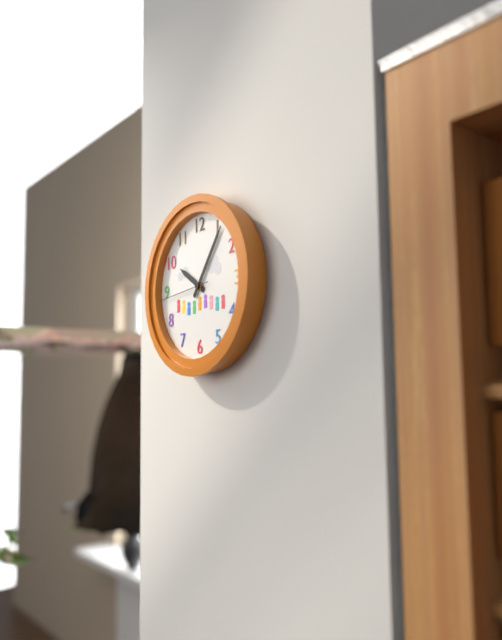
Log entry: {"hour": 10, "minute": 6}
